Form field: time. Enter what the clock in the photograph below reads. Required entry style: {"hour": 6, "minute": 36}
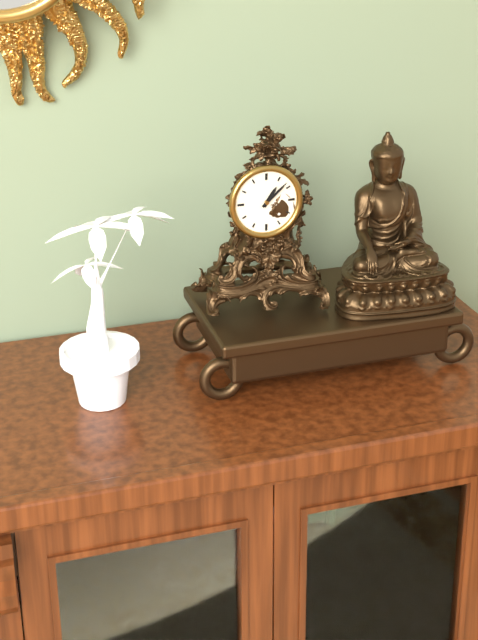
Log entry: {"hour": 1, "minute": 8}
